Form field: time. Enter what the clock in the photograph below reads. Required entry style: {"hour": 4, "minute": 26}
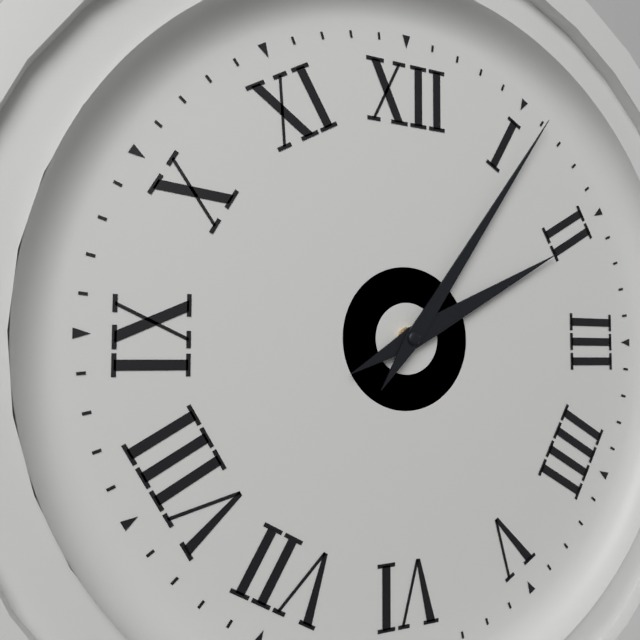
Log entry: {"hour": 2, "minute": 6}
